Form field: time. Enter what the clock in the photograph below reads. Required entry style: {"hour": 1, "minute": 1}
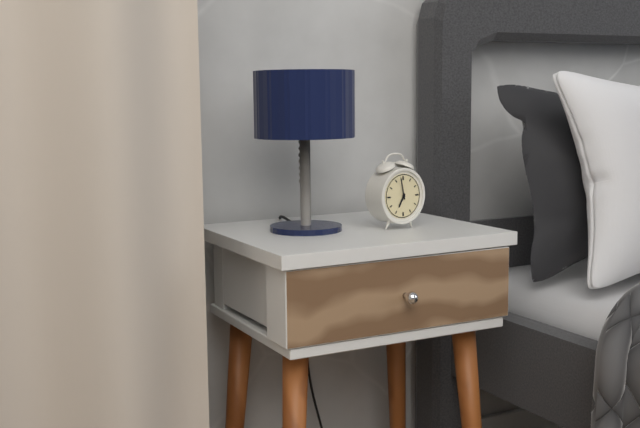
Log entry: {"hour": 6, "minute": 58}
